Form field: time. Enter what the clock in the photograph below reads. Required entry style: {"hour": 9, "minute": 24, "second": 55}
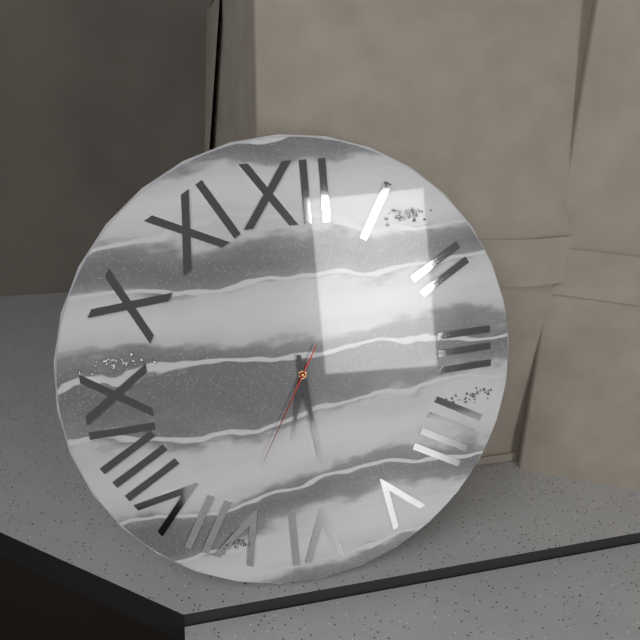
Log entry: {"hour": 6, "minute": 29, "second": 35}
